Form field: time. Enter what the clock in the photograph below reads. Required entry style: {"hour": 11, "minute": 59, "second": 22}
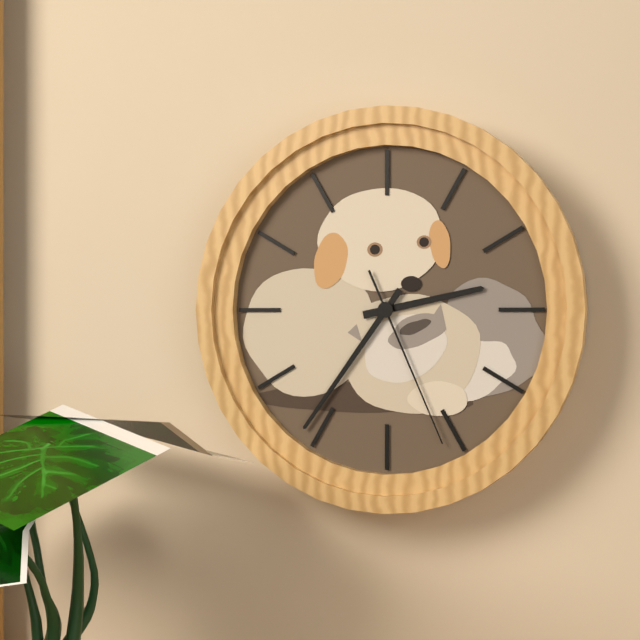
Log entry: {"hour": 2, "minute": 36, "second": 26}
